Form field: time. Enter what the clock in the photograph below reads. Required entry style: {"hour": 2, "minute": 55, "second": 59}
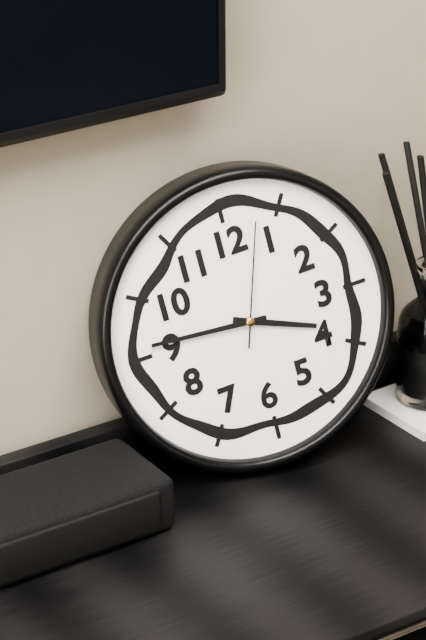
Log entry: {"hour": 3, "minute": 46, "second": 3}
